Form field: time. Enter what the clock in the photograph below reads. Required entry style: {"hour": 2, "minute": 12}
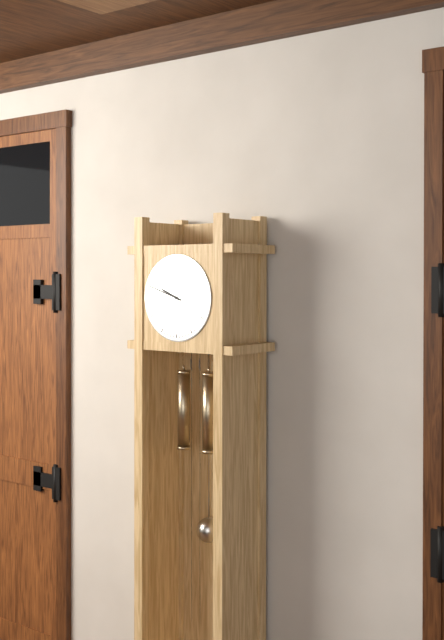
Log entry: {"hour": 9, "minute": 48}
